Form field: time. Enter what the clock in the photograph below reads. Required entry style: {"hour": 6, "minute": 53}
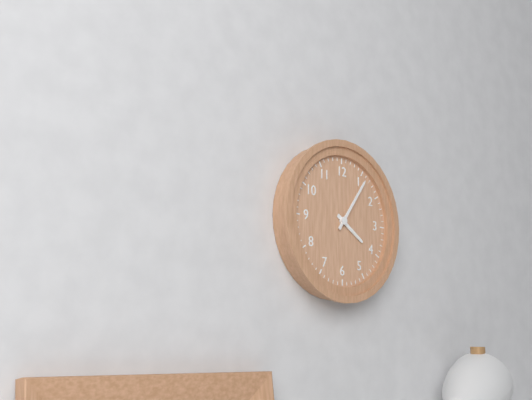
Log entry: {"hour": 4, "minute": 6}
